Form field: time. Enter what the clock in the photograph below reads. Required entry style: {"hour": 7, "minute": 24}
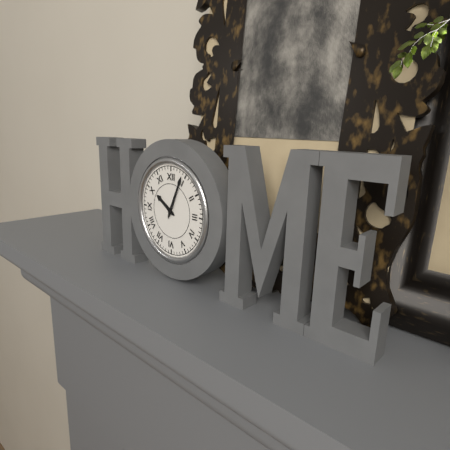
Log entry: {"hour": 10, "minute": 4}
